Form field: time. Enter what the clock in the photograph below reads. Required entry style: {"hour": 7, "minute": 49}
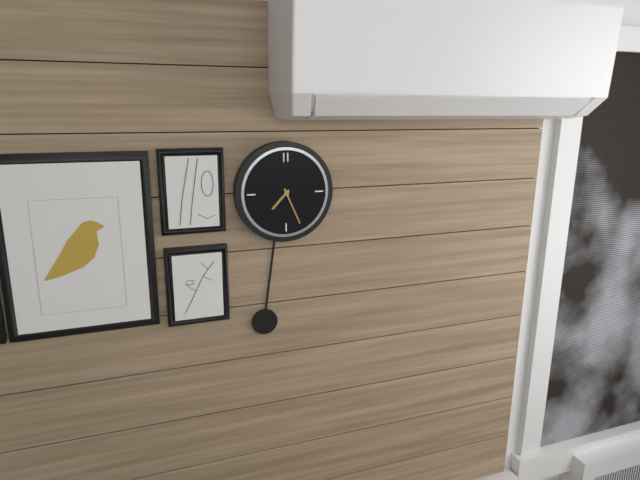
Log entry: {"hour": 7, "minute": 26}
